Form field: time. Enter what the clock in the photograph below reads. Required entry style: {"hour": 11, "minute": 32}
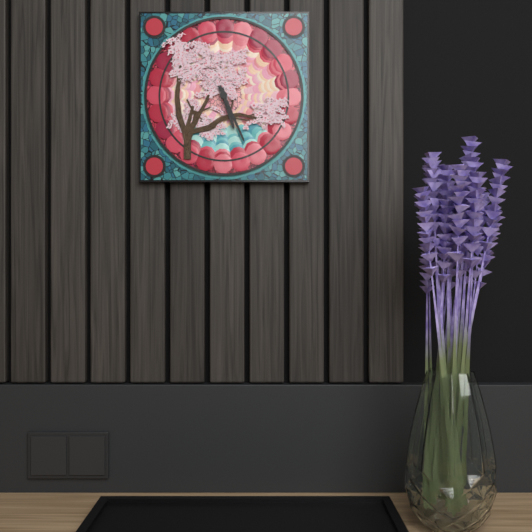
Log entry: {"hour": 5, "minute": 26}
